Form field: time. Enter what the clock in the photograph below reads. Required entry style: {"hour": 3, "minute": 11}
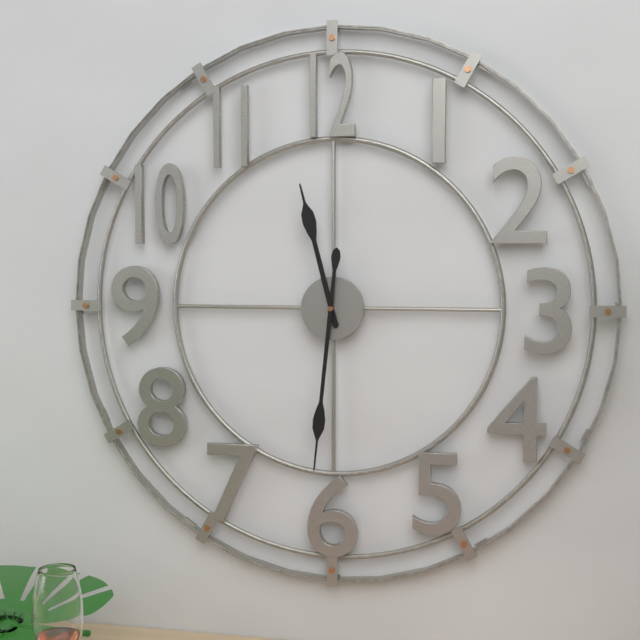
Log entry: {"hour": 11, "minute": 31}
